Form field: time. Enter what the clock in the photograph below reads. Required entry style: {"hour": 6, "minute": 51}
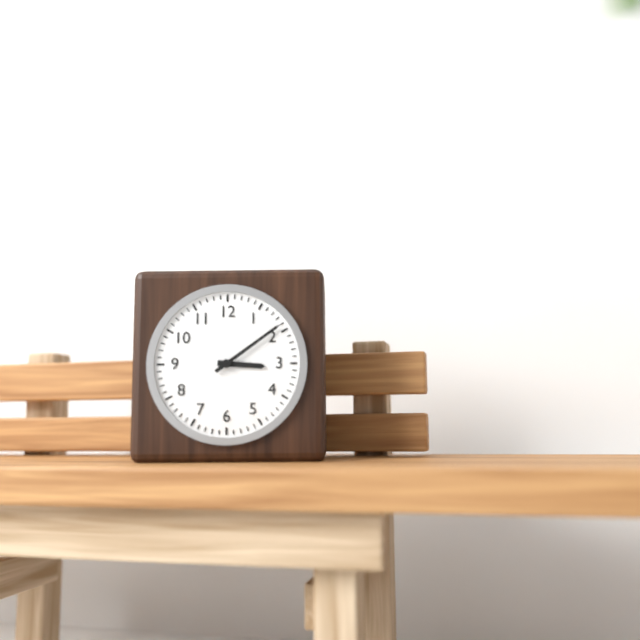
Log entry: {"hour": 3, "minute": 9}
